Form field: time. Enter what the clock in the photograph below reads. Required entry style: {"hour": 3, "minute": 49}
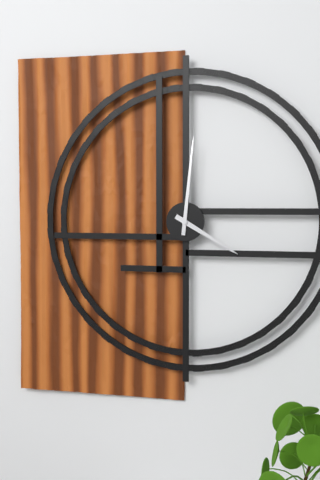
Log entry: {"hour": 4, "minute": 1}
